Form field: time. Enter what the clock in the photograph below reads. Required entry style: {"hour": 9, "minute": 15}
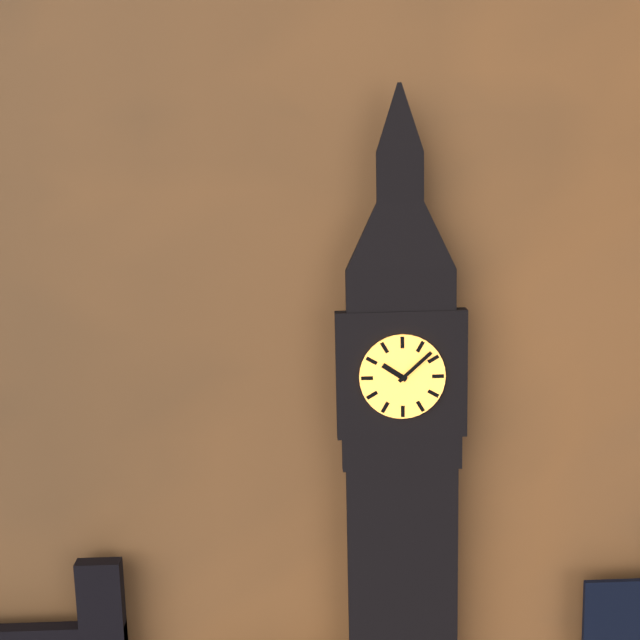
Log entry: {"hour": 10, "minute": 8}
